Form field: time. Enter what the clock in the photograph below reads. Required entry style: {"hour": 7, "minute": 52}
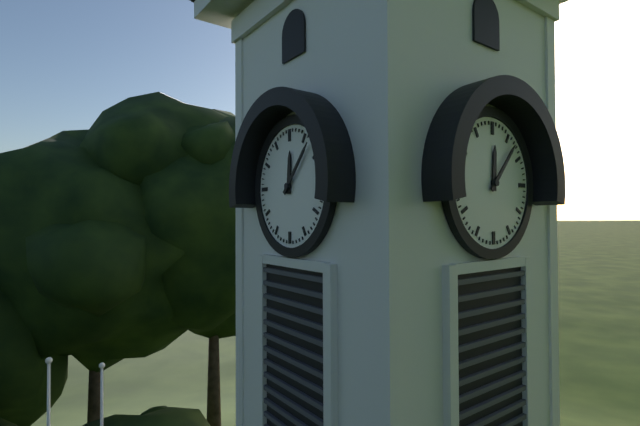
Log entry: {"hour": 12, "minute": 7}
